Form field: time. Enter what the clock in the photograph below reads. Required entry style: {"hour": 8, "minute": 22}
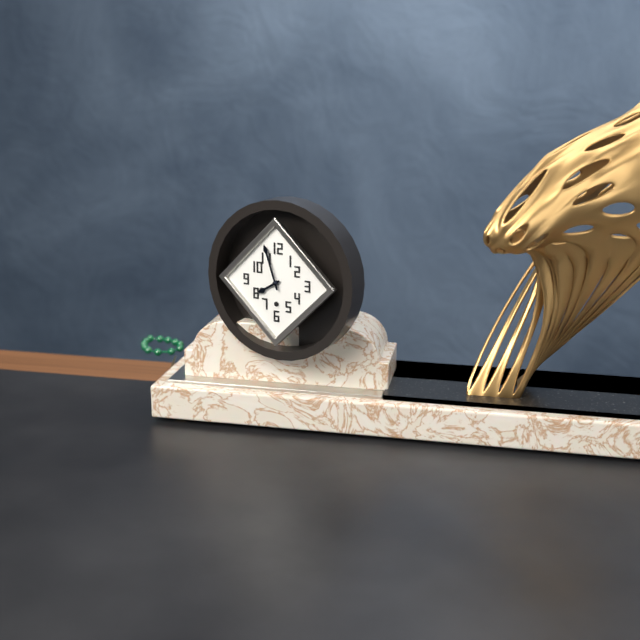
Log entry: {"hour": 7, "minute": 57}
